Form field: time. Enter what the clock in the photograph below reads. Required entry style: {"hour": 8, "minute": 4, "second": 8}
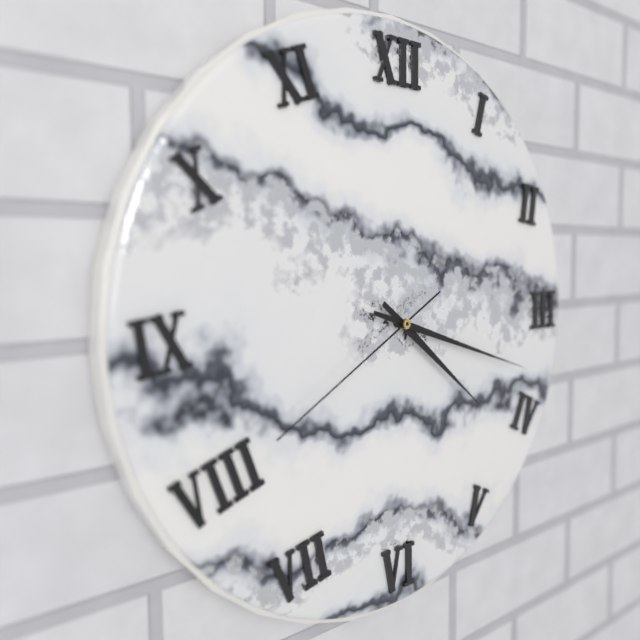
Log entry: {"hour": 4, "minute": 18, "second": 40}
